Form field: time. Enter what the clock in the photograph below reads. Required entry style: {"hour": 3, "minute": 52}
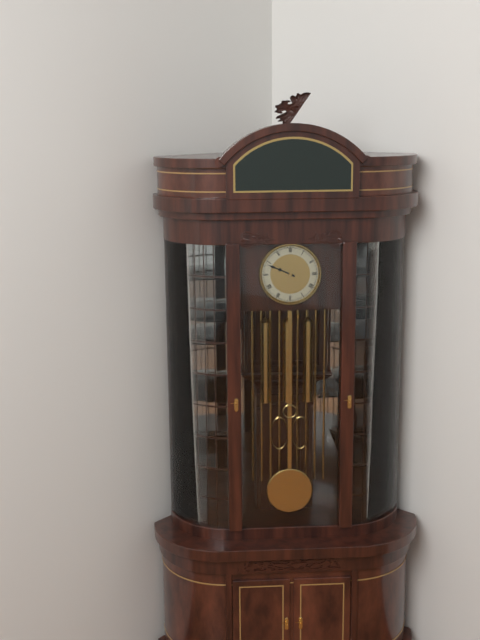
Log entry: {"hour": 9, "minute": 49}
